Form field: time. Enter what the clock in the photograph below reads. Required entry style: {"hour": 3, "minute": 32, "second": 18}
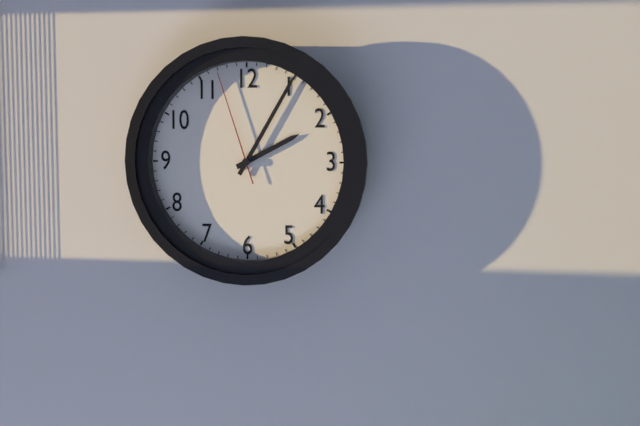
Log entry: {"hour": 2, "minute": 5, "second": 57}
